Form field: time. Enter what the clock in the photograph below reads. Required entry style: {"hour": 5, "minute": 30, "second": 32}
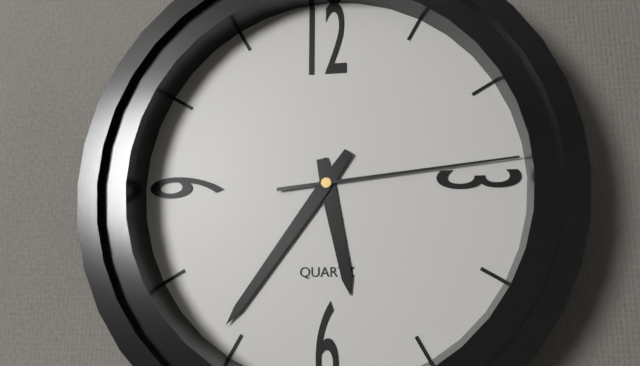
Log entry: {"hour": 5, "minute": 36, "second": 14}
